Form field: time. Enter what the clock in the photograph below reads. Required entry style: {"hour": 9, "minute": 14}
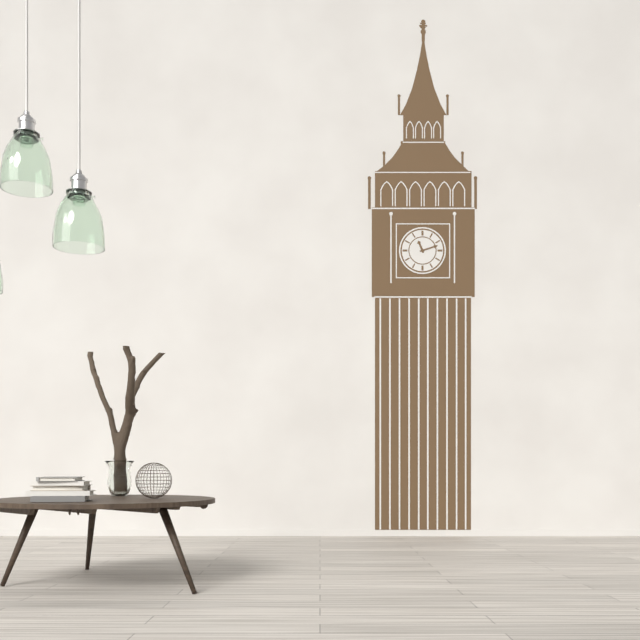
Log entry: {"hour": 11, "minute": 12}
